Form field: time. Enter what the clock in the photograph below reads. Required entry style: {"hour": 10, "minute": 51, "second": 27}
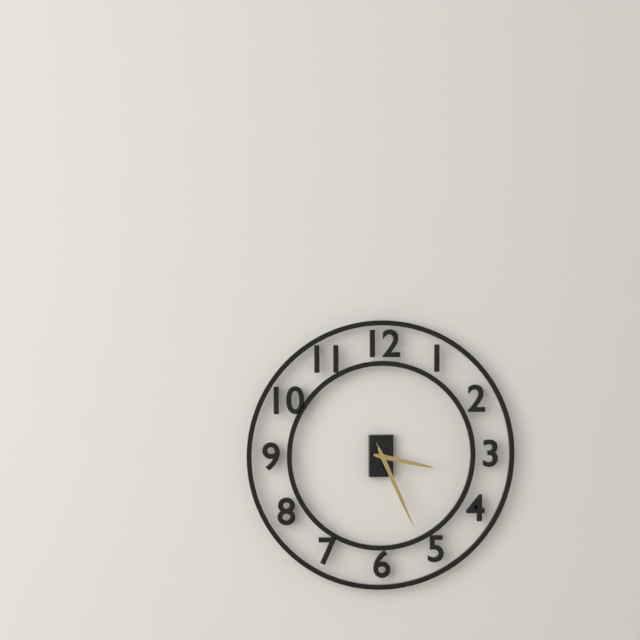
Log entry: {"hour": 3, "minute": 26, "second": 26}
